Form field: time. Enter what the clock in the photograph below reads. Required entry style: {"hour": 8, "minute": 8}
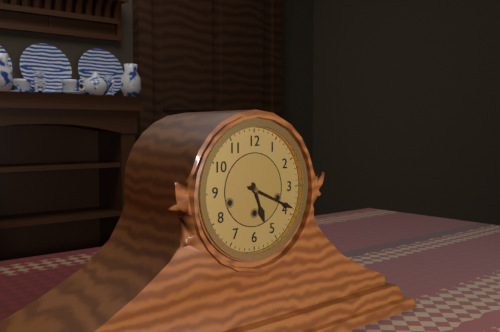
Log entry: {"hour": 5, "minute": 19}
